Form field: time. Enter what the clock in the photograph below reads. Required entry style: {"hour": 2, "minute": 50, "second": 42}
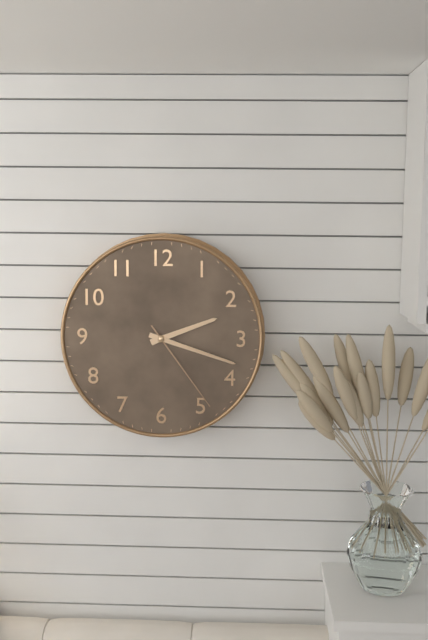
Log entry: {"hour": 2, "minute": 18, "second": 24}
